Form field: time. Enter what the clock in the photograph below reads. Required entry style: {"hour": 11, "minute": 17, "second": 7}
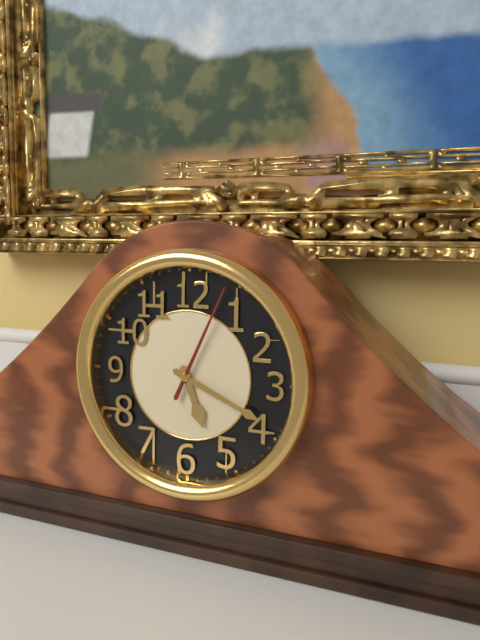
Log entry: {"hour": 5, "minute": 19, "second": 4}
